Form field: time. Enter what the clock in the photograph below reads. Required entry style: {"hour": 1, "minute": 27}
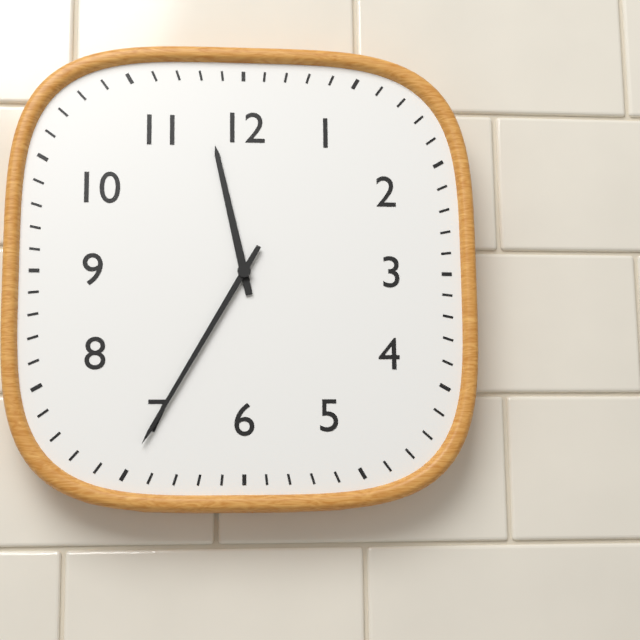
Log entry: {"hour": 11, "minute": 35}
